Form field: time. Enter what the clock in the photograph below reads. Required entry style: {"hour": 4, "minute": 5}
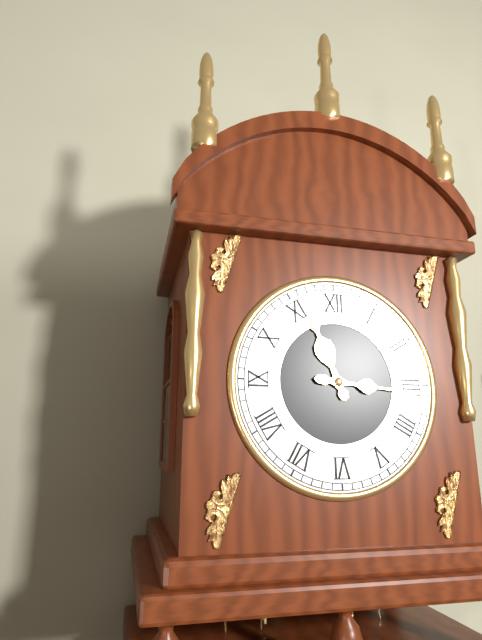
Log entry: {"hour": 11, "minute": 16}
